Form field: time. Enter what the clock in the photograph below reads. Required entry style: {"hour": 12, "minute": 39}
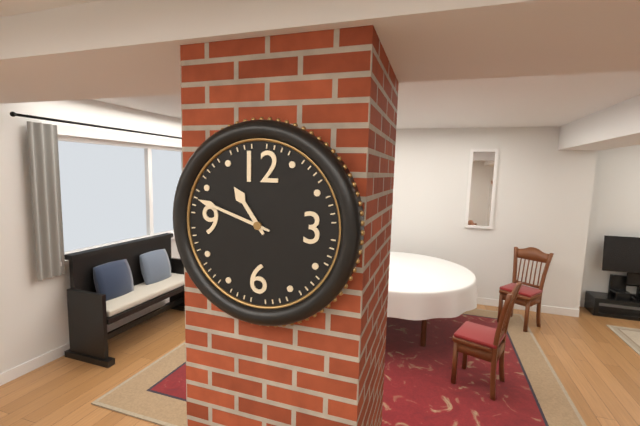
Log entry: {"hour": 10, "minute": 48}
